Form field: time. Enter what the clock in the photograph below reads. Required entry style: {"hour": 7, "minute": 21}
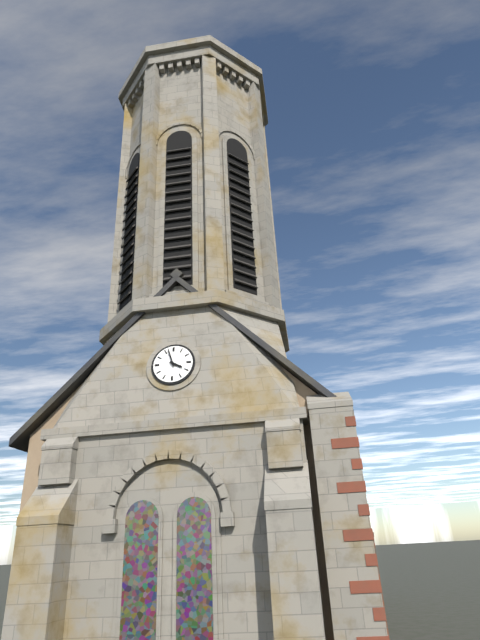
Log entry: {"hour": 3, "minute": 57}
